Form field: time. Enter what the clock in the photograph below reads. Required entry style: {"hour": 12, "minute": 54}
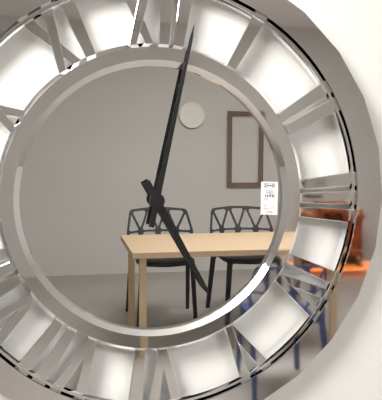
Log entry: {"hour": 5, "minute": 2}
